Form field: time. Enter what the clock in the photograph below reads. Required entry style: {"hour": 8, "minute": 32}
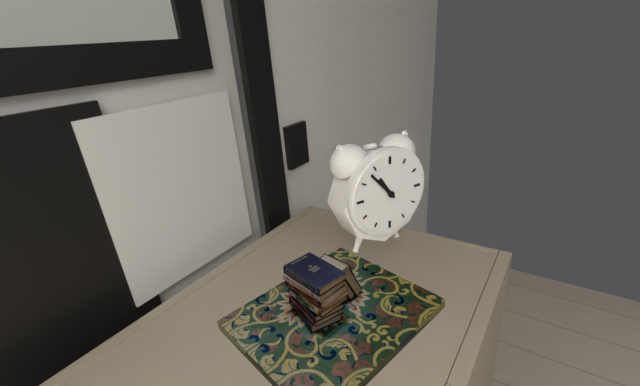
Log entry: {"hour": 10, "minute": 53}
